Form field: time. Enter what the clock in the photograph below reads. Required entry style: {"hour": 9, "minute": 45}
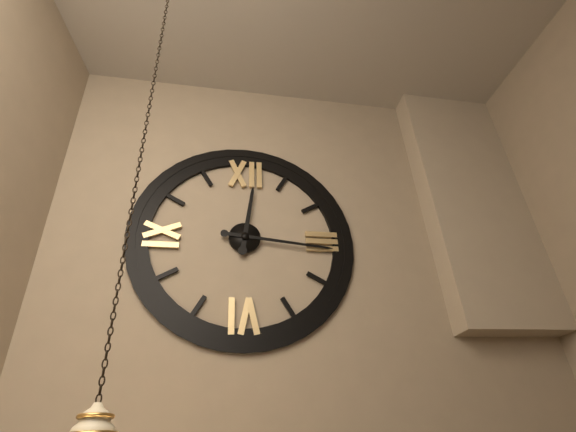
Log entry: {"hour": 12, "minute": 16}
